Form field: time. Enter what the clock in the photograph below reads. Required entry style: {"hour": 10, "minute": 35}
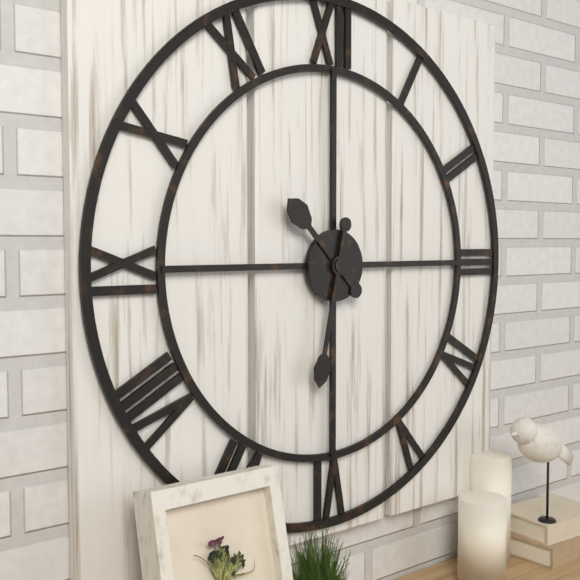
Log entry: {"hour": 10, "minute": 32}
